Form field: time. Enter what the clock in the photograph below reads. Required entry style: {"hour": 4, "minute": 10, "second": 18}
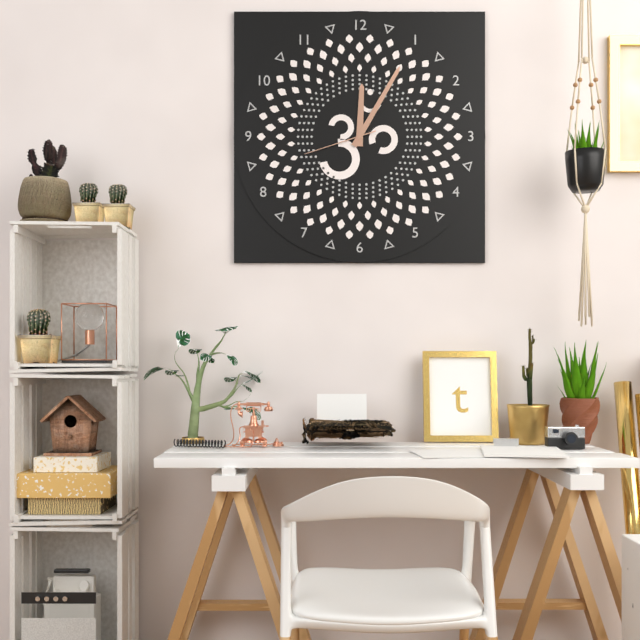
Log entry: {"hour": 12, "minute": 5, "second": 42}
